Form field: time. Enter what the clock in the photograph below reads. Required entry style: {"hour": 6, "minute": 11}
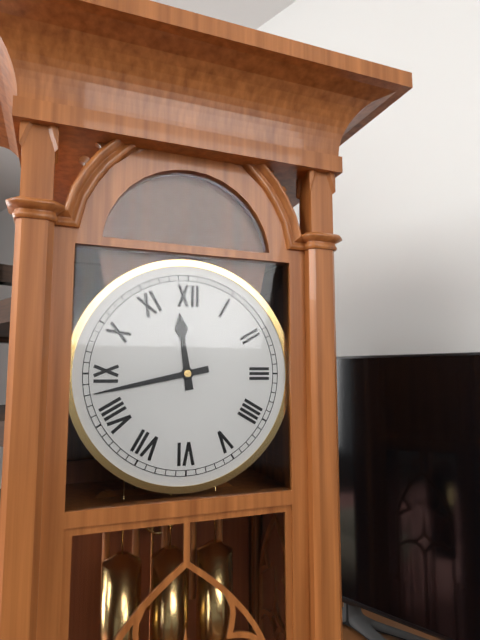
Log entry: {"hour": 11, "minute": 43}
